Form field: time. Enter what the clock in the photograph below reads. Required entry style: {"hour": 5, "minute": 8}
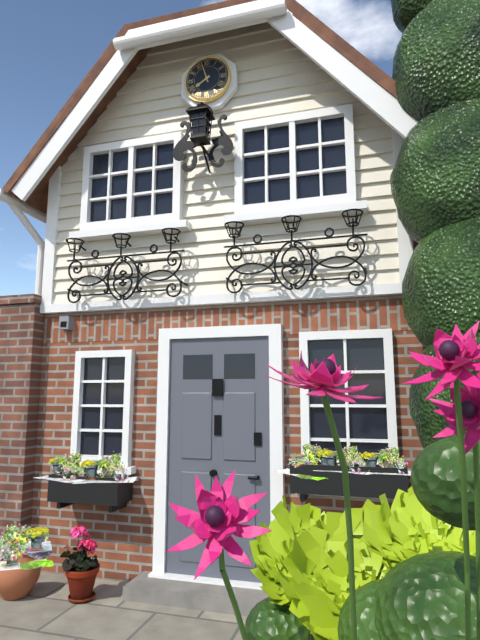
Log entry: {"hour": 7, "minute": 57}
